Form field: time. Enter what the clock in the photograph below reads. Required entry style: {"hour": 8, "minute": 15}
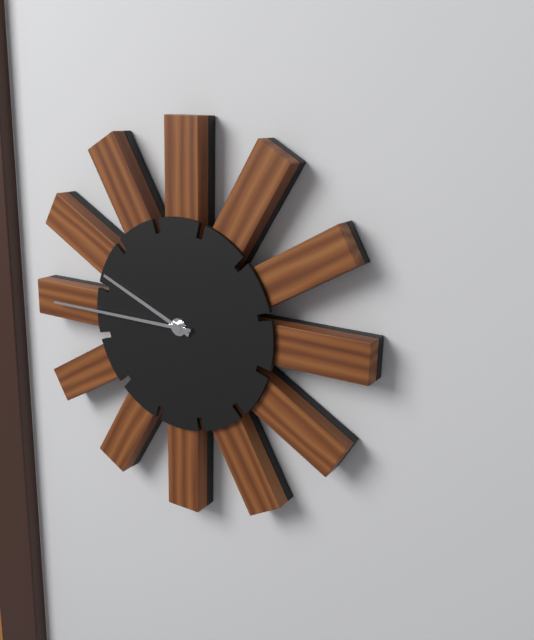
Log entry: {"hour": 9, "minute": 45}
